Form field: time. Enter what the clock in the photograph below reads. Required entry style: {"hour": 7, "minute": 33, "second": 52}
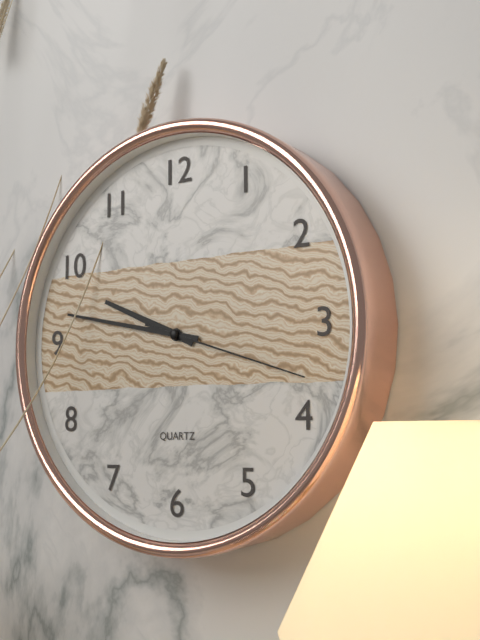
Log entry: {"hour": 9, "minute": 47, "second": 18}
